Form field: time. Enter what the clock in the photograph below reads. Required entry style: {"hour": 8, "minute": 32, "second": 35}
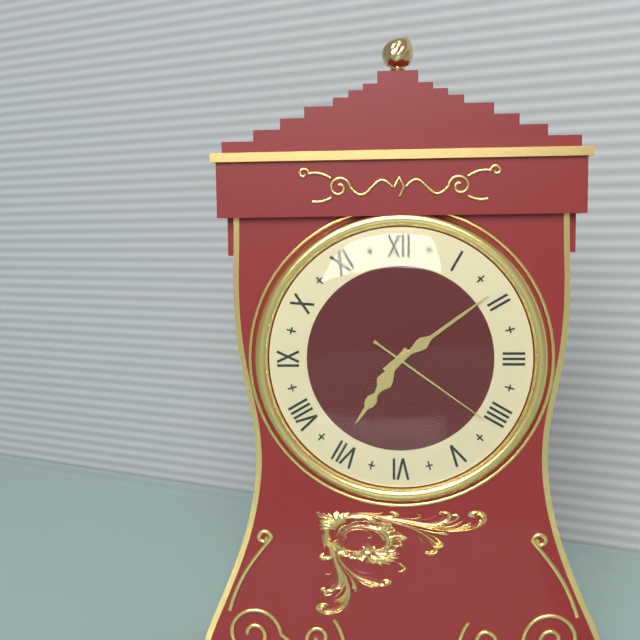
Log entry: {"hour": 7, "minute": 9, "second": 21}
